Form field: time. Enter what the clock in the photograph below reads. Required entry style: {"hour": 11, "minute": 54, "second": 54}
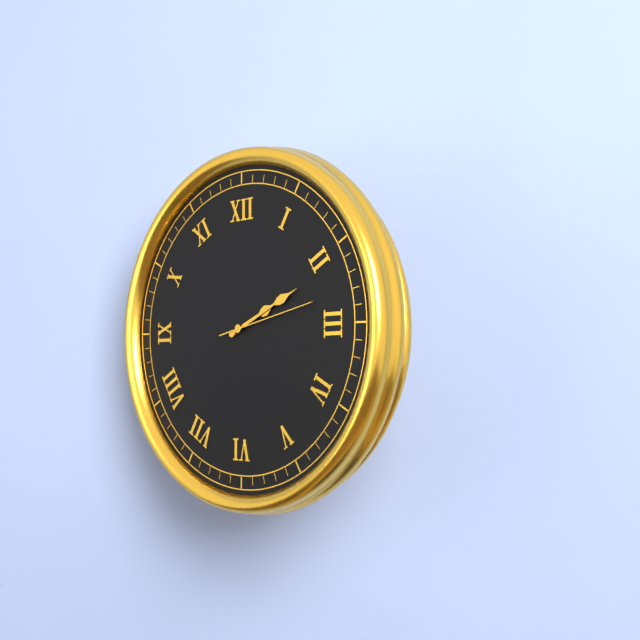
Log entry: {"hour": 2, "minute": 11, "second": 13}
